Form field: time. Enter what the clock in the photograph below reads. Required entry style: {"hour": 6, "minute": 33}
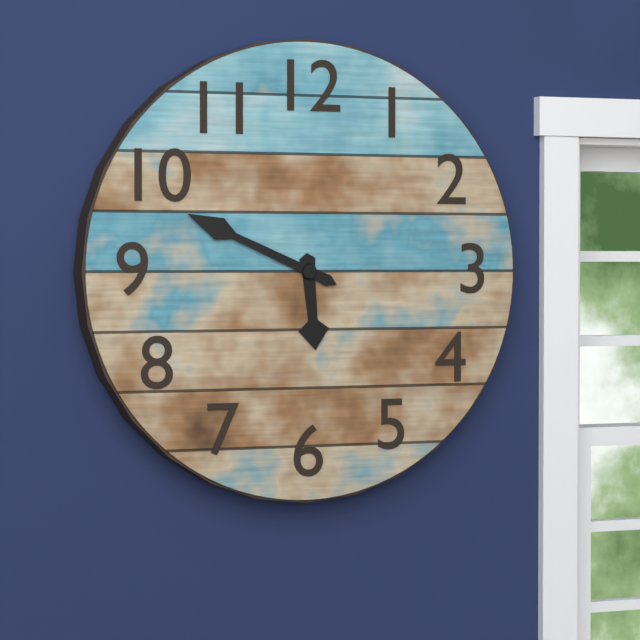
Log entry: {"hour": 5, "minute": 49}
